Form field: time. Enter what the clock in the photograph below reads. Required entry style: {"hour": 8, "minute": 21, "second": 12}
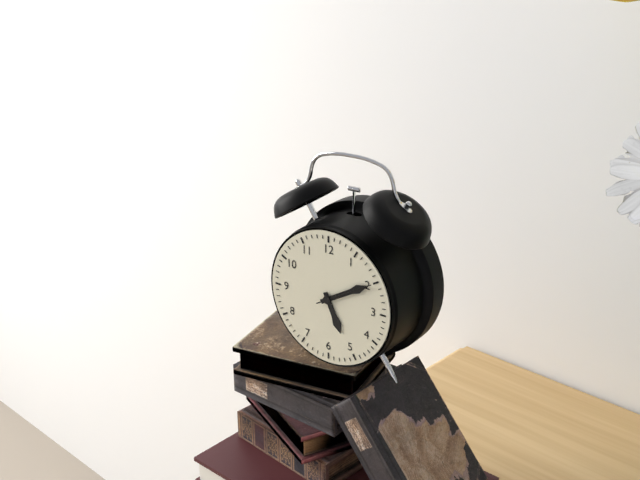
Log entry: {"hour": 5, "minute": 10, "second": 10}
